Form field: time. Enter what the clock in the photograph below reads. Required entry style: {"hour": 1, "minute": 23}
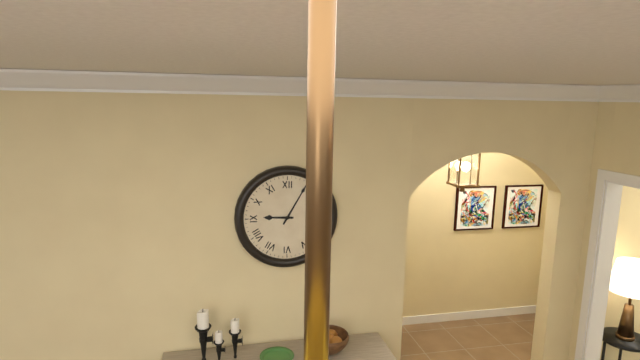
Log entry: {"hour": 9, "minute": 5}
